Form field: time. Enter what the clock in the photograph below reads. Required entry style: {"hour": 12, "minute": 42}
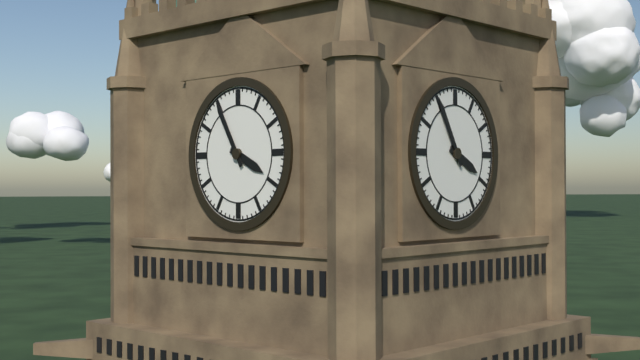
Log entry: {"hour": 3, "minute": 55}
